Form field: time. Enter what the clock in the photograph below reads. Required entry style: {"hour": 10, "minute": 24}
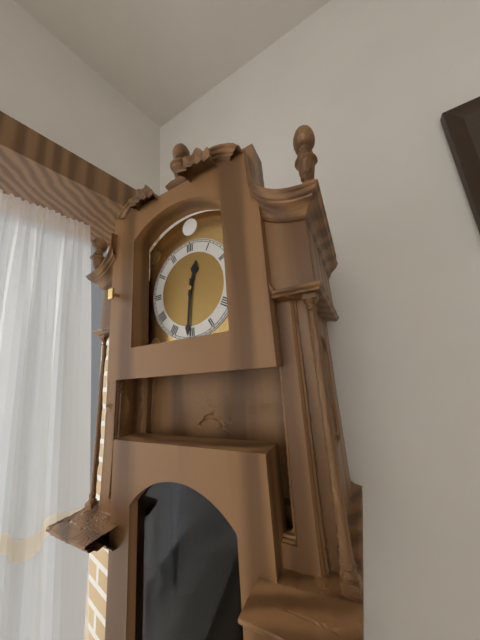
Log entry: {"hour": 12, "minute": 31}
